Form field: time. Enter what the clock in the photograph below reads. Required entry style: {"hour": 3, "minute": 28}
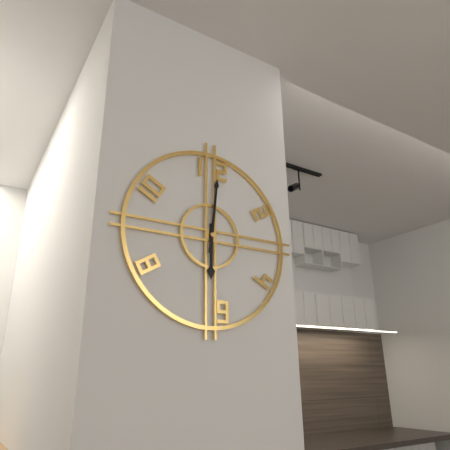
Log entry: {"hour": 6, "minute": 1}
